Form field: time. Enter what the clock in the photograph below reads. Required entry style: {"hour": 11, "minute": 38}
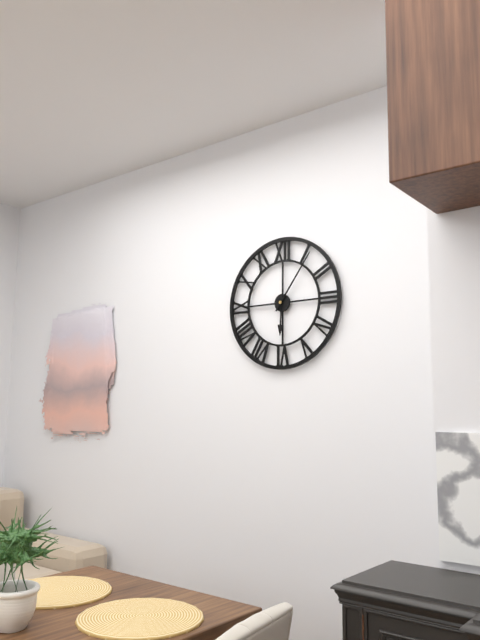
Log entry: {"hour": 6, "minute": 6}
